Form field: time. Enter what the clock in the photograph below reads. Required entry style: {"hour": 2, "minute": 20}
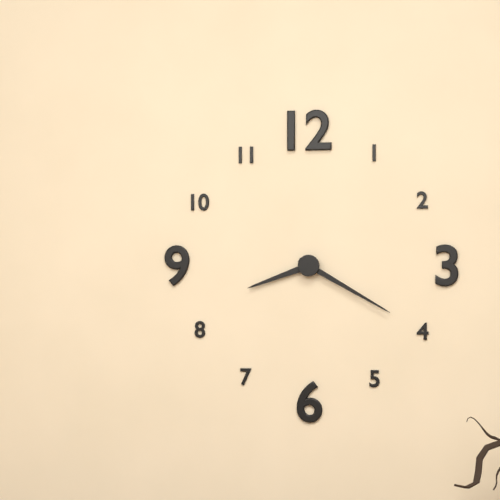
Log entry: {"hour": 8, "minute": 20}
